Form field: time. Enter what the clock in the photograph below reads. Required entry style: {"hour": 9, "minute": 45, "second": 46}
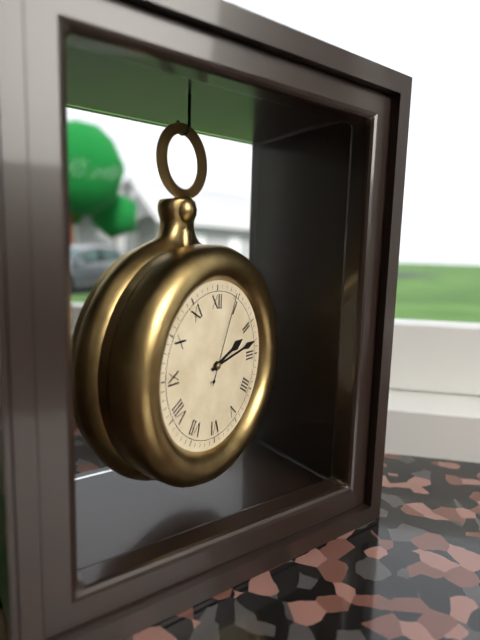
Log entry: {"hour": 2, "minute": 13, "second": 4}
